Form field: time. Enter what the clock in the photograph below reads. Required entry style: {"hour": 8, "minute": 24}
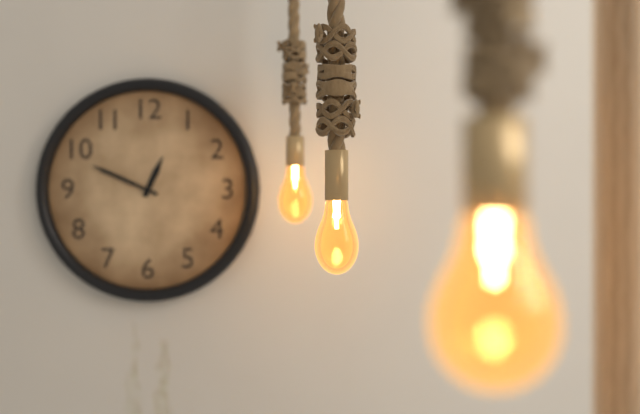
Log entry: {"hour": 12, "minute": 49}
